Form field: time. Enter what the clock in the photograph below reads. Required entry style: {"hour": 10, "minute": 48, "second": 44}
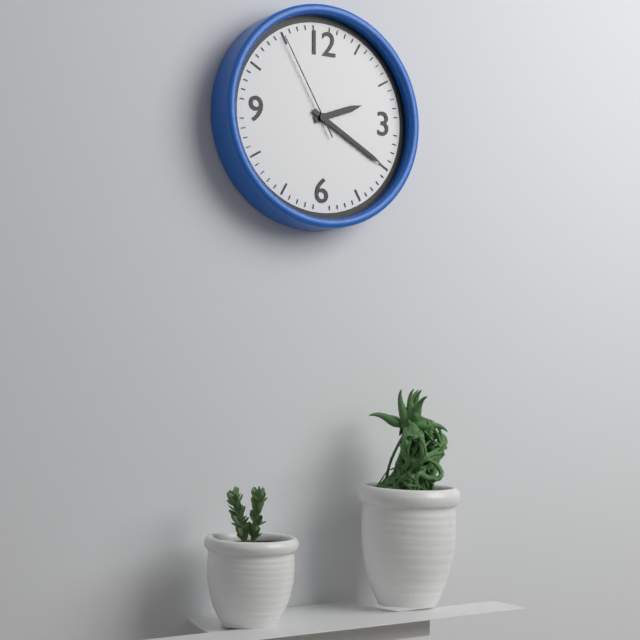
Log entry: {"hour": 2, "minute": 20, "second": 55}
